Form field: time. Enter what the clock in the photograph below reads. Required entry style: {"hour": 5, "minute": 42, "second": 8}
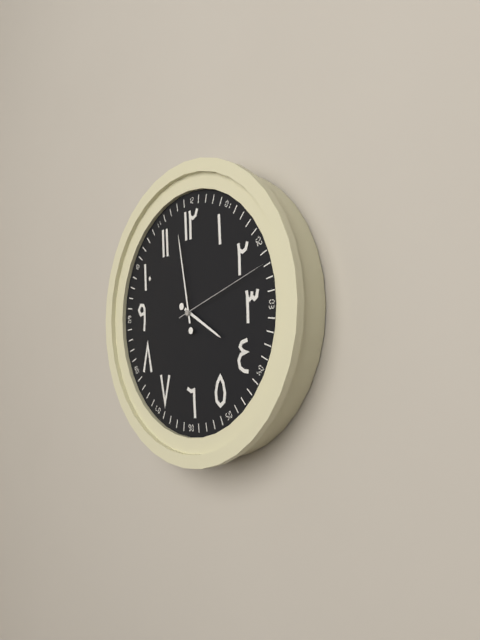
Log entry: {"hour": 3, "minute": 58, "second": 12}
